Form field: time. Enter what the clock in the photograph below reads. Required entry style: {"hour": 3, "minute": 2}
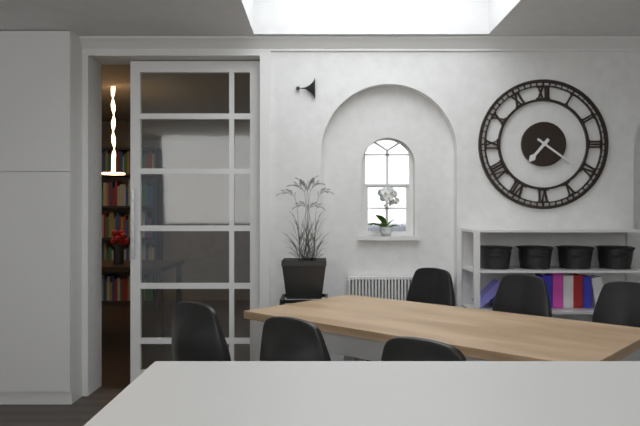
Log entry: {"hour": 7, "minute": 21}
